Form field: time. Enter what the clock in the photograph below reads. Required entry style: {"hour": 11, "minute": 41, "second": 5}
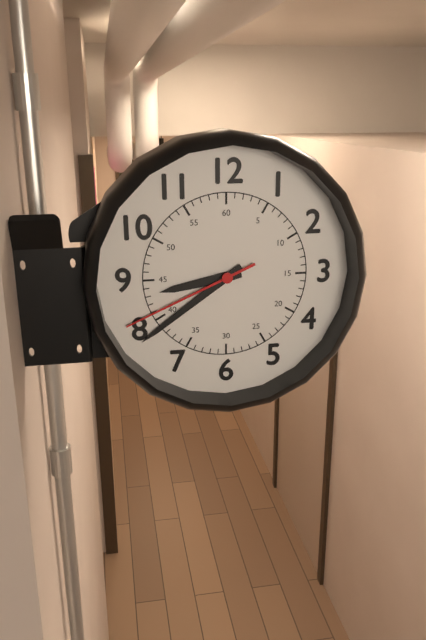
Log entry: {"hour": 8, "minute": 39, "second": 41}
